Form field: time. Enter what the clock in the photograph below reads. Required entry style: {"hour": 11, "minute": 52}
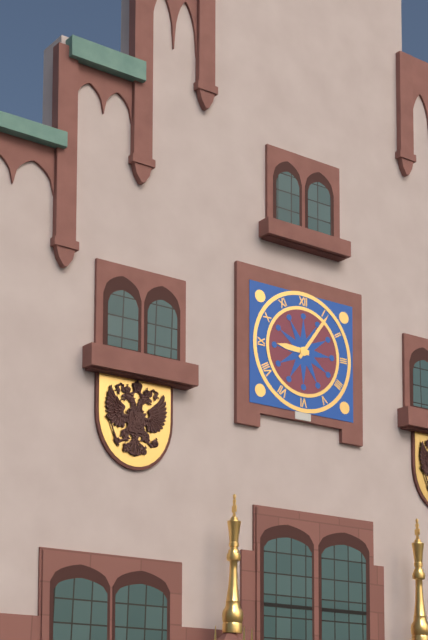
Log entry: {"hour": 9, "minute": 6}
